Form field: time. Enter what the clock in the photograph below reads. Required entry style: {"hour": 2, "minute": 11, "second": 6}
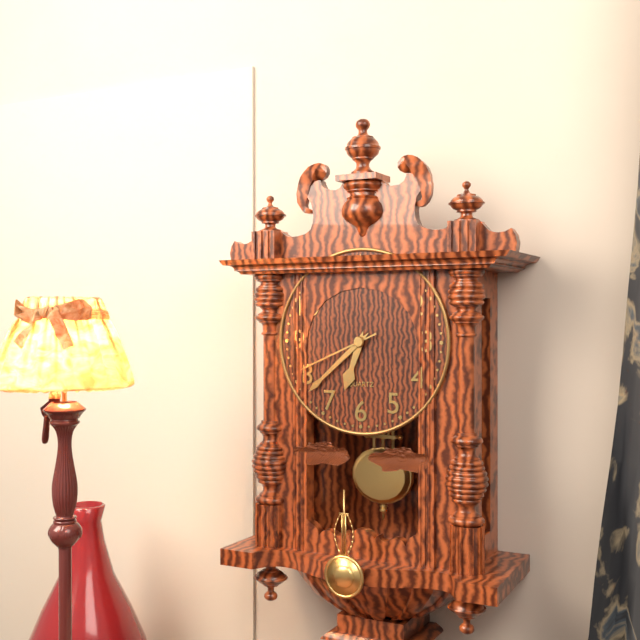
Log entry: {"hour": 6, "minute": 38, "second": 41}
